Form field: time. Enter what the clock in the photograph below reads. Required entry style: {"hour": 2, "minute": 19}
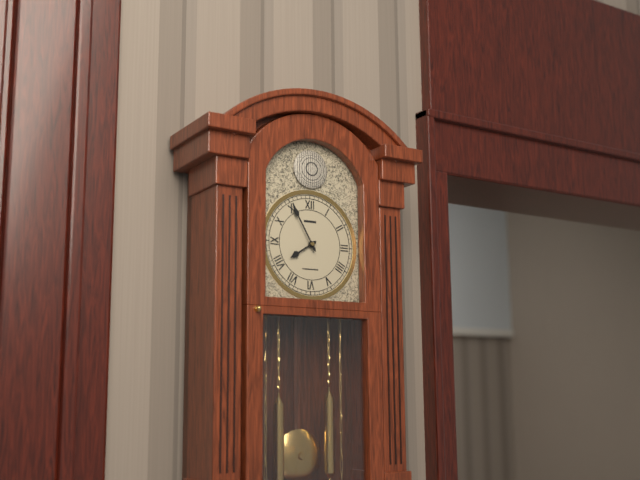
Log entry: {"hour": 7, "minute": 55}
